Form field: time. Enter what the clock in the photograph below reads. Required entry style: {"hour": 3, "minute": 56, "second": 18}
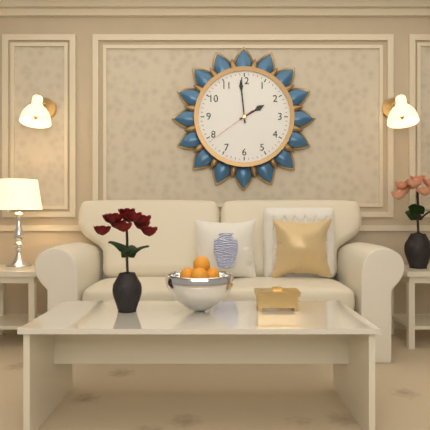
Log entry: {"hour": 1, "minute": 59, "second": 39}
